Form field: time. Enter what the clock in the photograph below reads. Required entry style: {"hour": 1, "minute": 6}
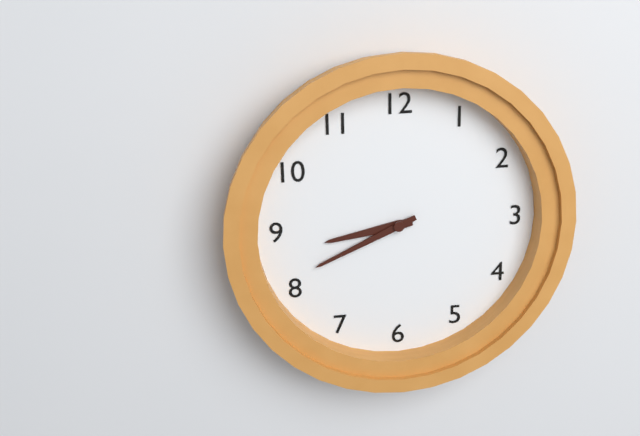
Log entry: {"hour": 8, "minute": 41}
